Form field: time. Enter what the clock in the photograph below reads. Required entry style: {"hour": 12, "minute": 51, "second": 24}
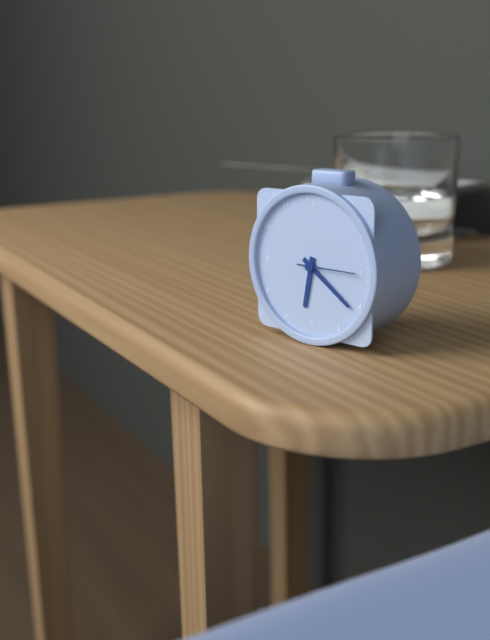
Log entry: {"hour": 6, "minute": 21, "second": 15}
